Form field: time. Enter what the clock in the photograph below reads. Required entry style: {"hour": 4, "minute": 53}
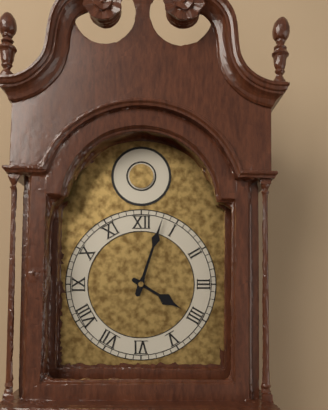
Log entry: {"hour": 4, "minute": 3}
